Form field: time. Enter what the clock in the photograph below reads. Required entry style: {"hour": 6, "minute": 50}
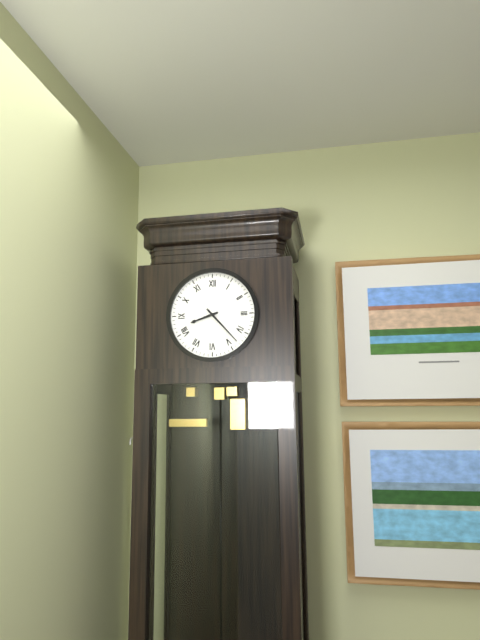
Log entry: {"hour": 8, "minute": 23}
